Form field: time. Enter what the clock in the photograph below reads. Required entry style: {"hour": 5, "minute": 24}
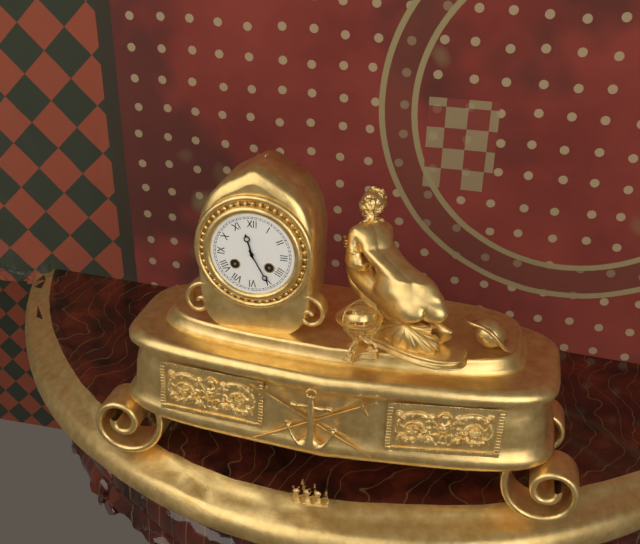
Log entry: {"hour": 11, "minute": 25}
